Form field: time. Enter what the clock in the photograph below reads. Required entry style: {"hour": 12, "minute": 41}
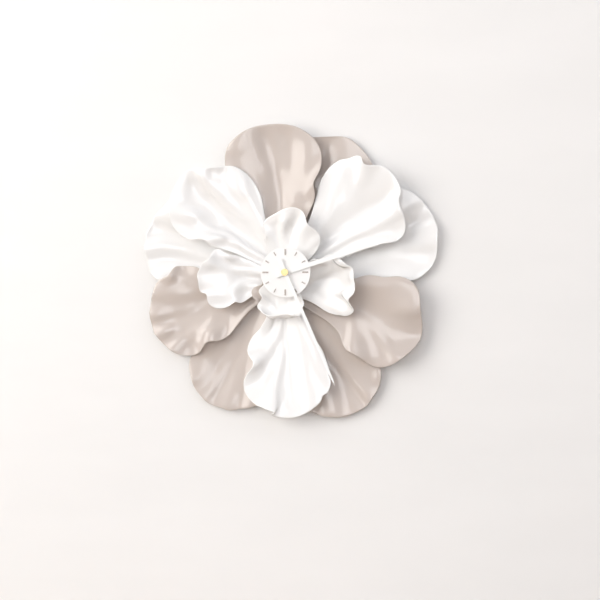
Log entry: {"hour": 2, "minute": 26}
